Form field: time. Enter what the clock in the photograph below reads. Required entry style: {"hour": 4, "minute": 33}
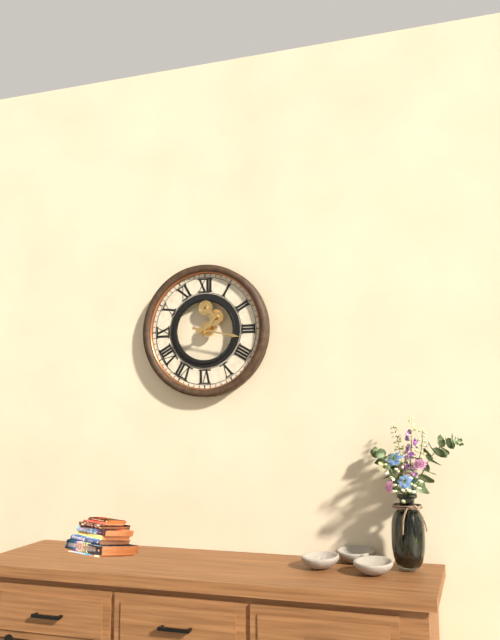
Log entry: {"hour": 2, "minute": 17}
